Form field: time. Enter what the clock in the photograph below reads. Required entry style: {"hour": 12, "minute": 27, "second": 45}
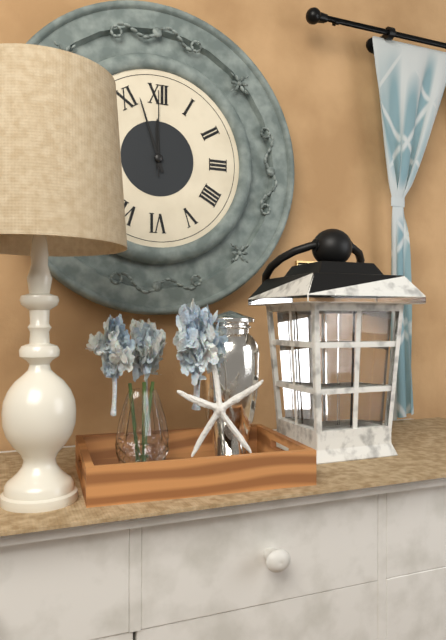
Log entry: {"hour": 11, "minute": 57, "second": 0}
